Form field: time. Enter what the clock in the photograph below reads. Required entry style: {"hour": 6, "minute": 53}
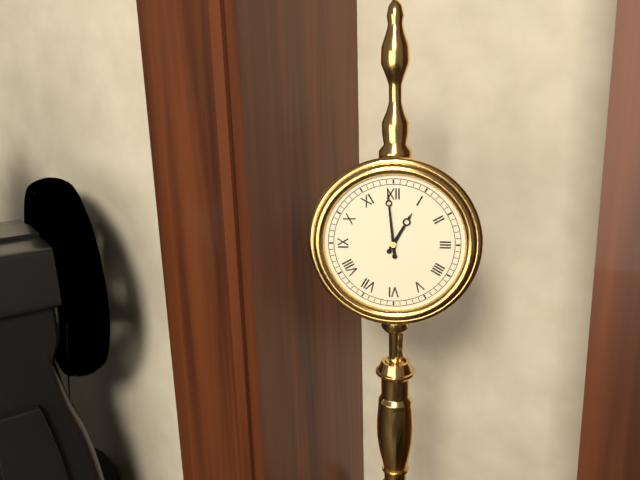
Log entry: {"hour": 12, "minute": 59}
